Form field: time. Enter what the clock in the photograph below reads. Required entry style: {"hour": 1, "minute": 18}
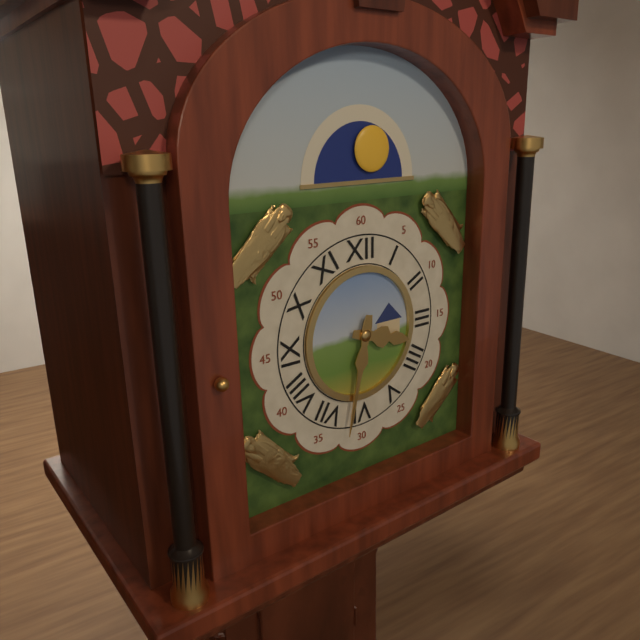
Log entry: {"hour": 3, "minute": 32}
